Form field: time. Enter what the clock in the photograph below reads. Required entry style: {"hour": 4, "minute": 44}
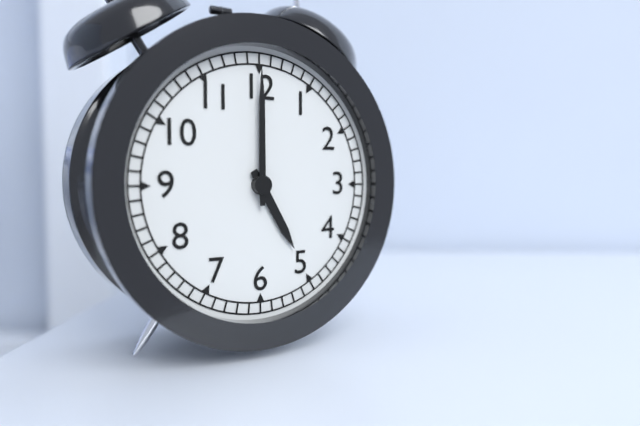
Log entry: {"hour": 5, "minute": 0}
